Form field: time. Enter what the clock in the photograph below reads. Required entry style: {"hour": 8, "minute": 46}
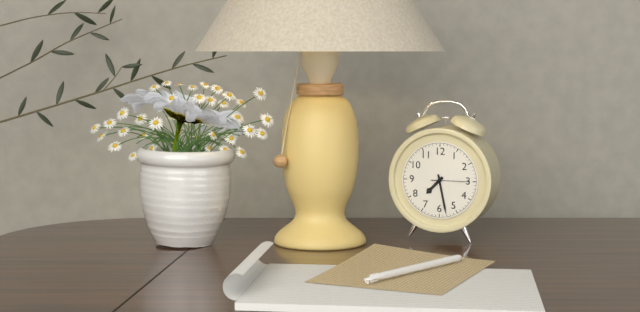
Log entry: {"hour": 7, "minute": 28}
